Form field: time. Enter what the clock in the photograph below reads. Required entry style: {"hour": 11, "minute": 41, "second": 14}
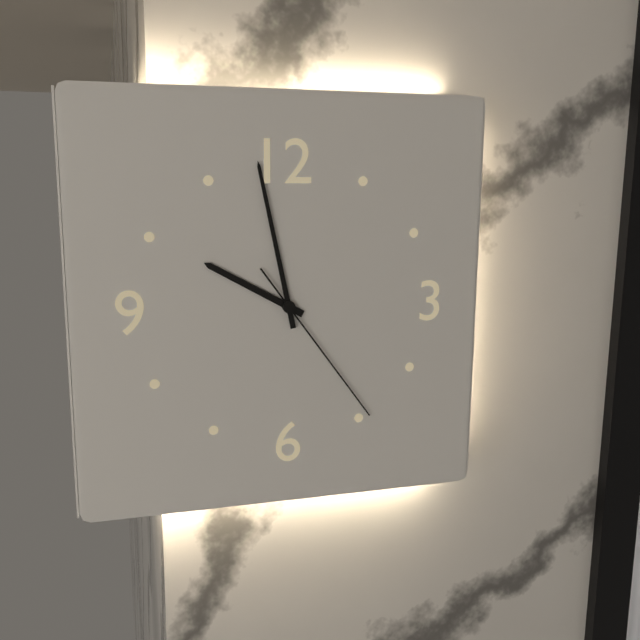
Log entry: {"hour": 9, "minute": 58, "second": 24}
